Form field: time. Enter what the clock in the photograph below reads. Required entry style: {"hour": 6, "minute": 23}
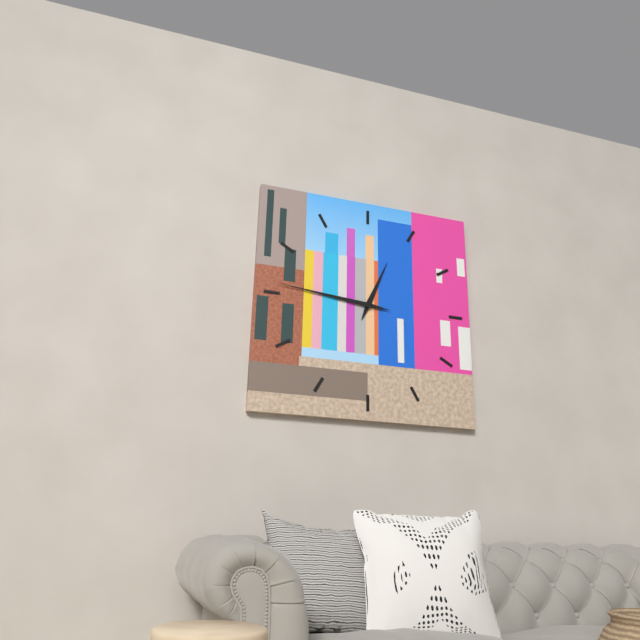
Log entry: {"hour": 12, "minute": 46}
